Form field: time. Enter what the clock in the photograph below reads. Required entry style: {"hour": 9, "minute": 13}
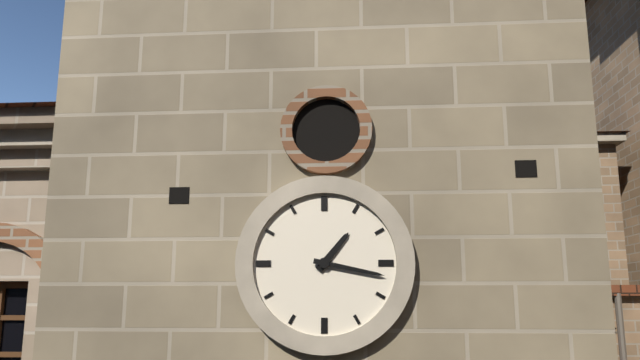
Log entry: {"hour": 1, "minute": 17}
